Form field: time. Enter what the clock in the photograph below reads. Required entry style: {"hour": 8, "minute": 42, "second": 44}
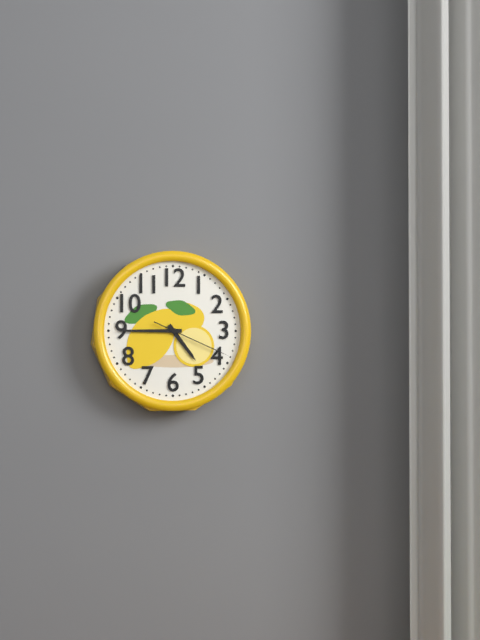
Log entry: {"hour": 4, "minute": 45, "second": 19}
